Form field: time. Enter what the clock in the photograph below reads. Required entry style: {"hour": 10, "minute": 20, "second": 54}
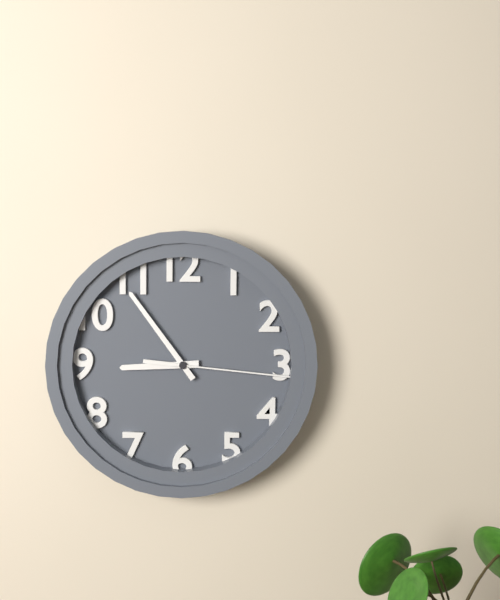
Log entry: {"hour": 8, "minute": 54, "second": 16}
